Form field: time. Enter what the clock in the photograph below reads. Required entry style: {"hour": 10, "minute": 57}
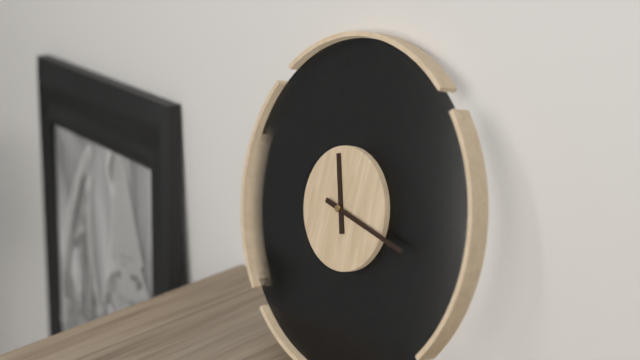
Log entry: {"hour": 11, "minute": 16}
